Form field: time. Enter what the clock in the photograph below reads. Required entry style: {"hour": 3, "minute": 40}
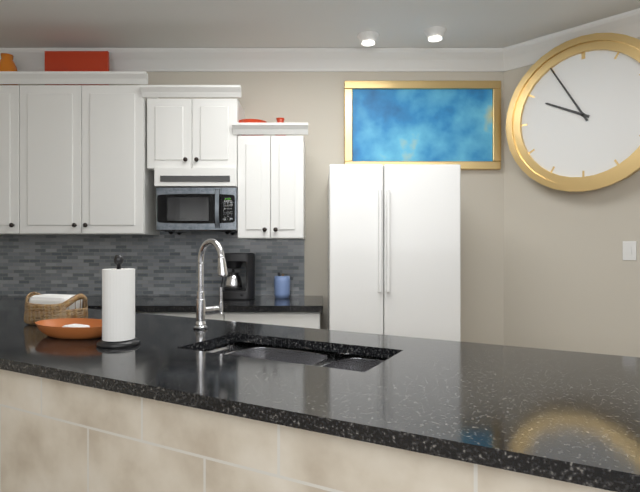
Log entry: {"hour": 9, "minute": 55}
